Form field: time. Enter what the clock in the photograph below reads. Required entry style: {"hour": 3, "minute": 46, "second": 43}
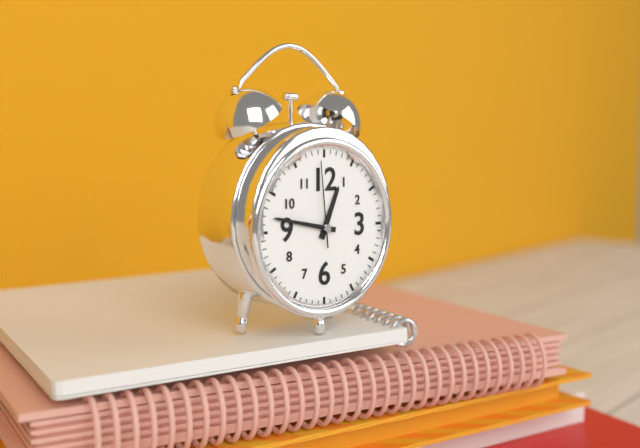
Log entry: {"hour": 12, "minute": 47, "second": 59}
